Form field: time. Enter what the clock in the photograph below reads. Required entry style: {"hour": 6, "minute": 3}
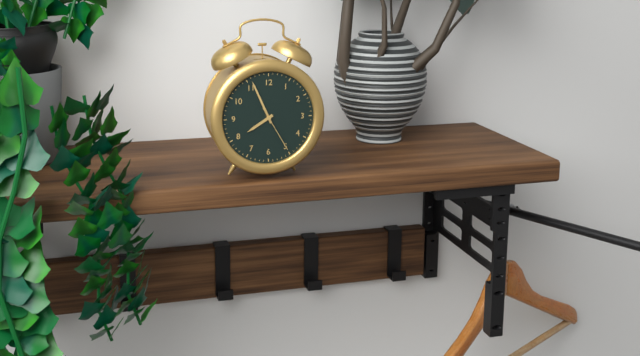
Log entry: {"hour": 7, "minute": 56}
